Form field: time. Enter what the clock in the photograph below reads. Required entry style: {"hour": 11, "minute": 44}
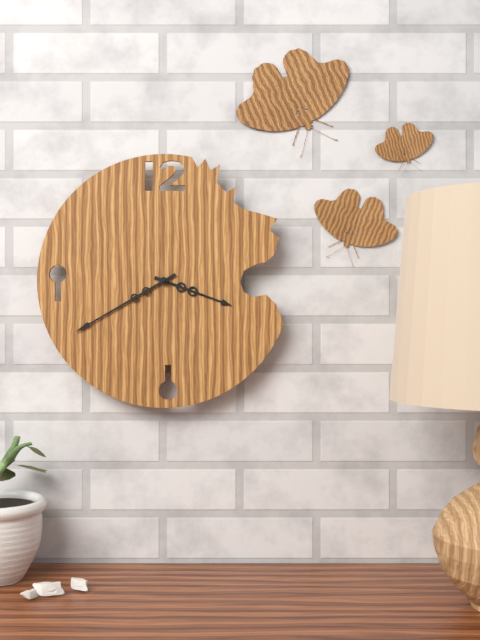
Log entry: {"hour": 3, "minute": 40}
